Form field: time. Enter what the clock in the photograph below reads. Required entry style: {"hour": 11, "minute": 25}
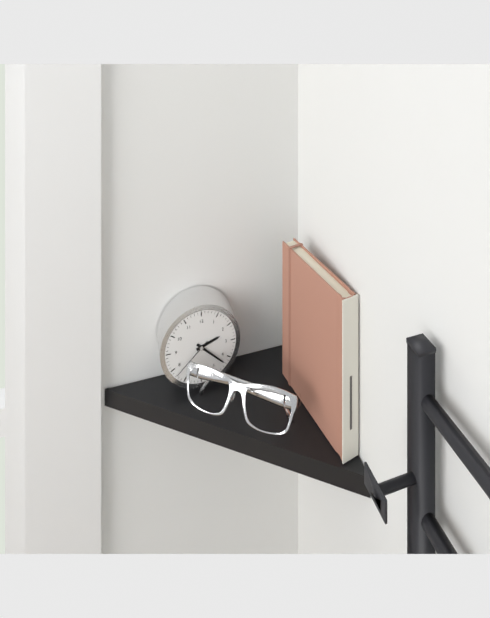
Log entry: {"hour": 2, "minute": 22}
